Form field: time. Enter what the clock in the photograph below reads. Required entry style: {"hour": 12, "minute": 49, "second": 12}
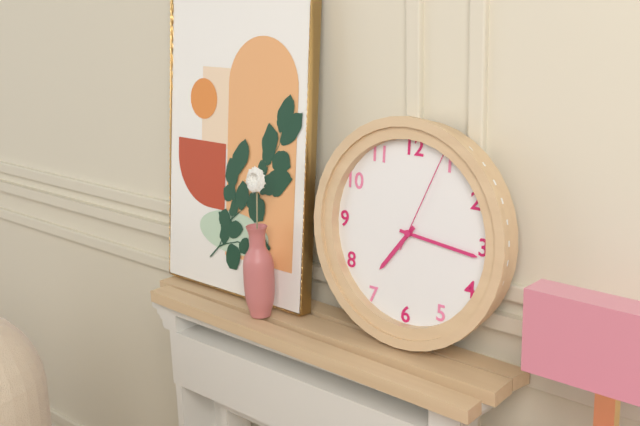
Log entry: {"hour": 7, "minute": 16, "second": 4}
